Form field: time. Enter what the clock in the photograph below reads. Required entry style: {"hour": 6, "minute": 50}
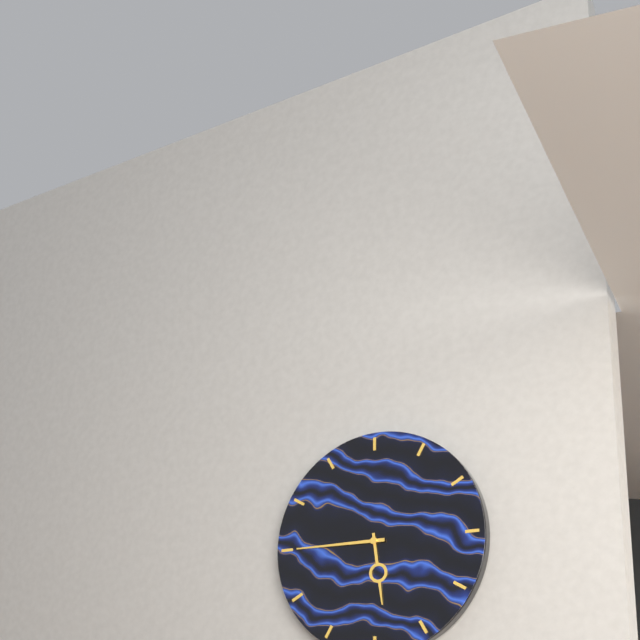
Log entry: {"hour": 5, "minute": 45}
